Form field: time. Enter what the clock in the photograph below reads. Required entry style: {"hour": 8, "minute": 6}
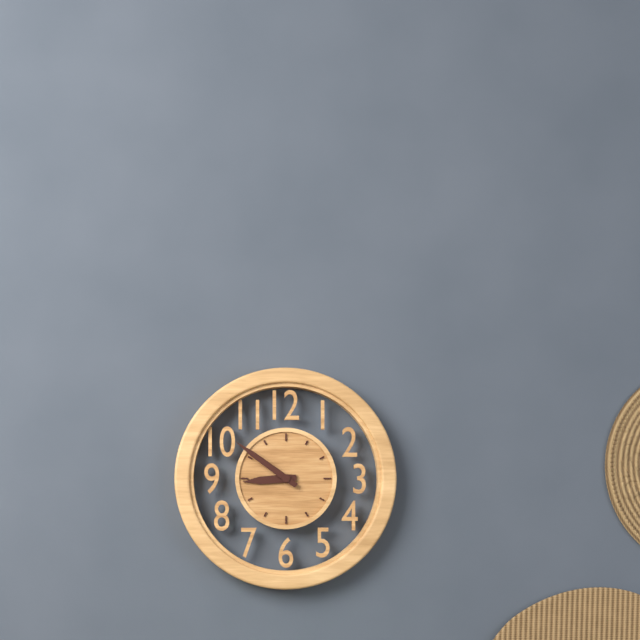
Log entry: {"hour": 8, "minute": 51}
